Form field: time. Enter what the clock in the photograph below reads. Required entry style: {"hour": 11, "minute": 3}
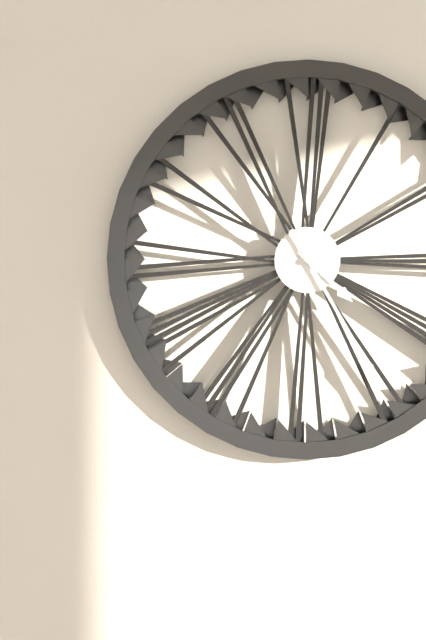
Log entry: {"hour": 4, "minute": 25}
